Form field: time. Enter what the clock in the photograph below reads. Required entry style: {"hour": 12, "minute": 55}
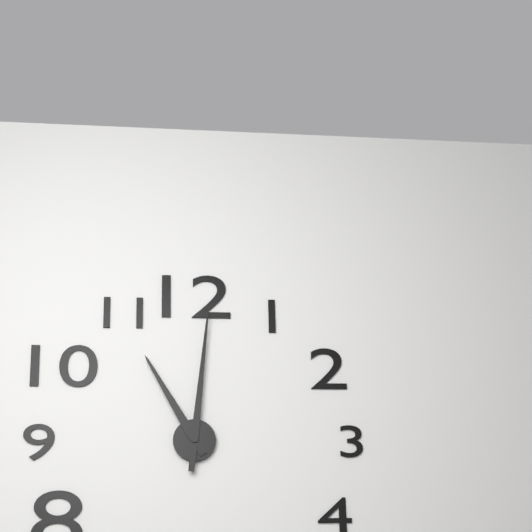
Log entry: {"hour": 11, "minute": 1}
